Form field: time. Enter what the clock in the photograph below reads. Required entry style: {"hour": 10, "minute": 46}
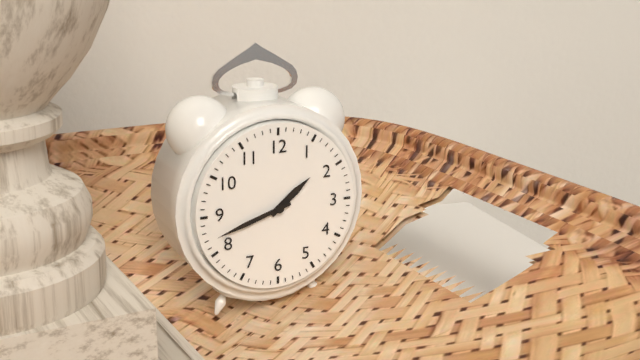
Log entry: {"hour": 1, "minute": 42}
